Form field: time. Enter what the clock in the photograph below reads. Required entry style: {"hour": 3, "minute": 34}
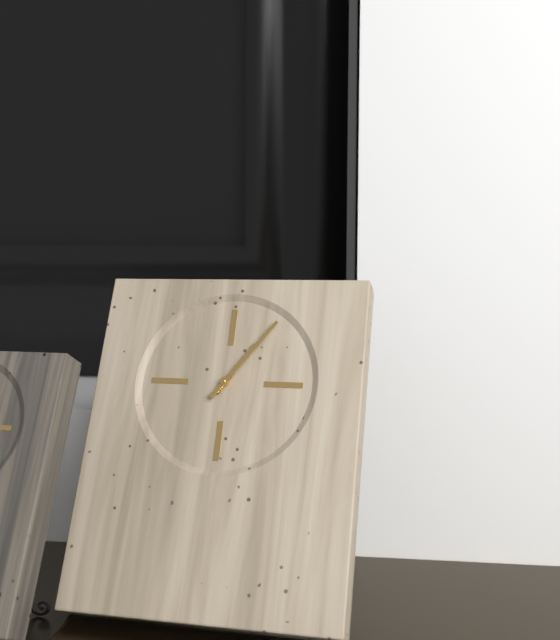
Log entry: {"hour": 1, "minute": 6}
